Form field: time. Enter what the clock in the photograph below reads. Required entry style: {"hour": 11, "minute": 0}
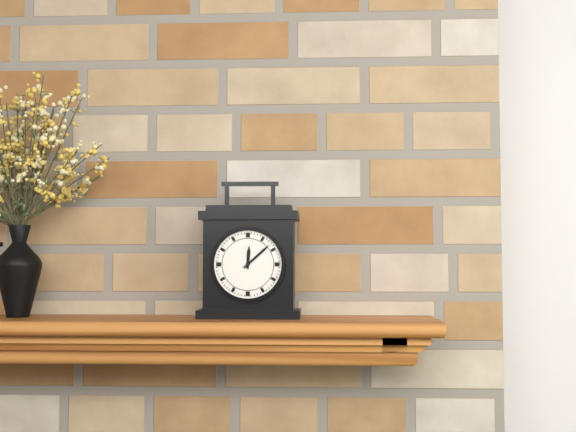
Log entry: {"hour": 12, "minute": 8}
